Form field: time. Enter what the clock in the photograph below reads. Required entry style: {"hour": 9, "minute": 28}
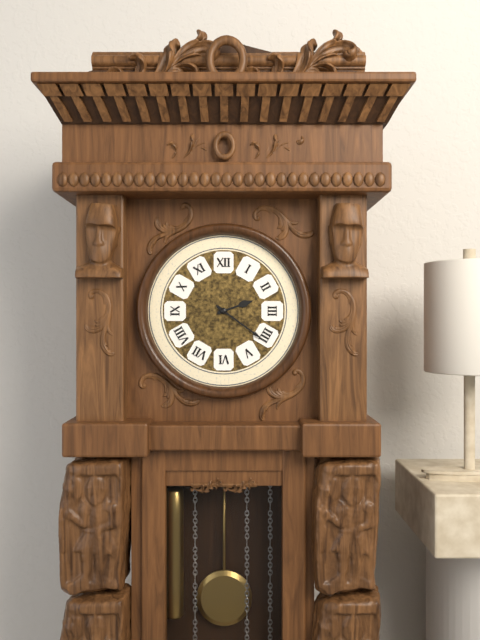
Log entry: {"hour": 2, "minute": 21}
